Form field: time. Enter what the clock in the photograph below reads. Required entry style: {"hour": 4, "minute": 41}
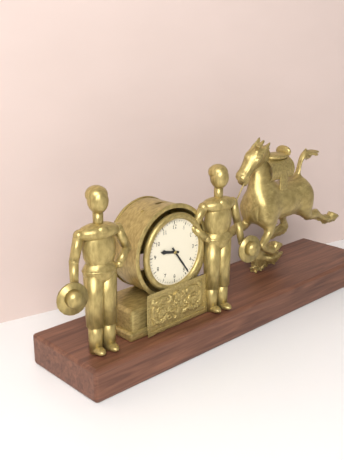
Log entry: {"hour": 9, "minute": 24}
